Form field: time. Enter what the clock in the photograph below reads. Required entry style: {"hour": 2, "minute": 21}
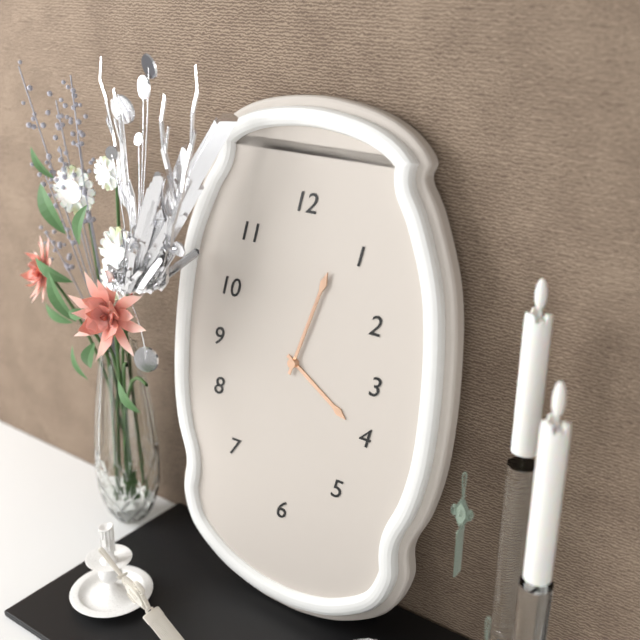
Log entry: {"hour": 4, "minute": 3}
